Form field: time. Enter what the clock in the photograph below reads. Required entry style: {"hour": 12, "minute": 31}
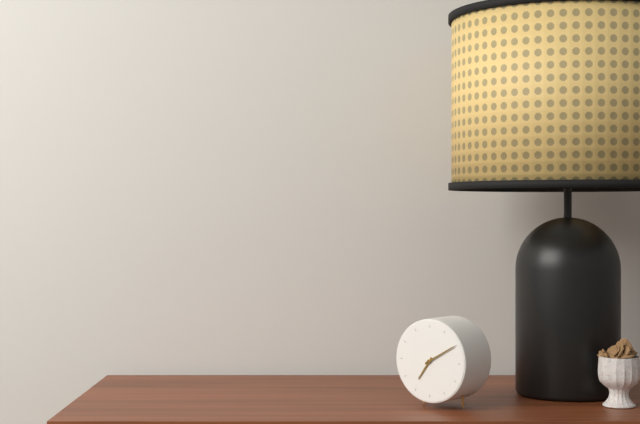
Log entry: {"hour": 7, "minute": 10}
